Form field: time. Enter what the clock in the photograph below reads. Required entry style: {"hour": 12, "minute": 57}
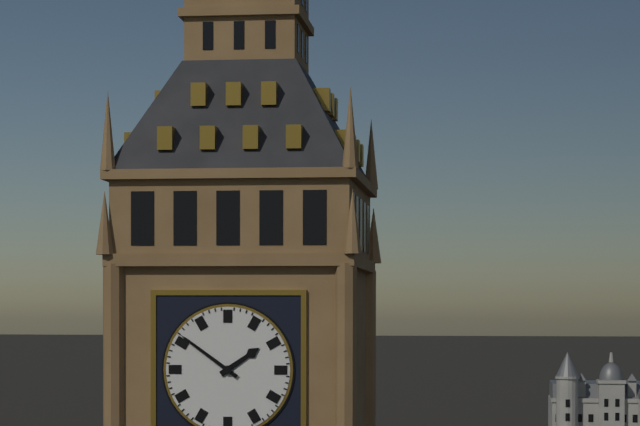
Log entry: {"hour": 1, "minute": 51}
